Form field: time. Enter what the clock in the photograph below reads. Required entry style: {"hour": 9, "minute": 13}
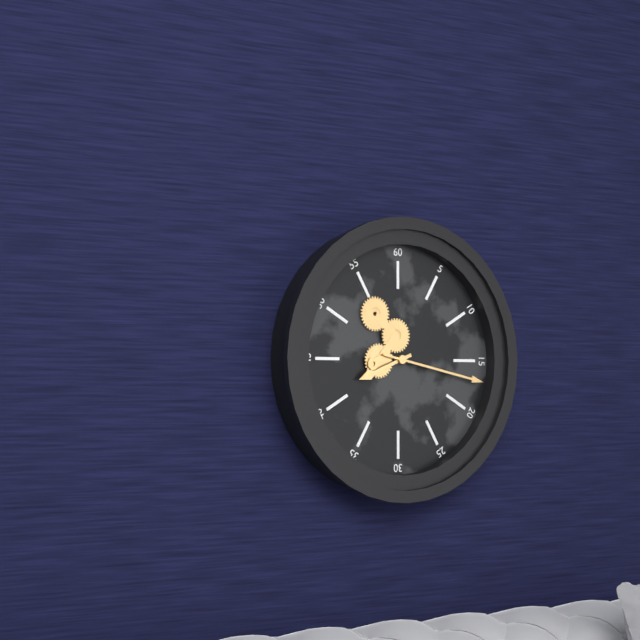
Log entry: {"hour": 8, "minute": 17}
